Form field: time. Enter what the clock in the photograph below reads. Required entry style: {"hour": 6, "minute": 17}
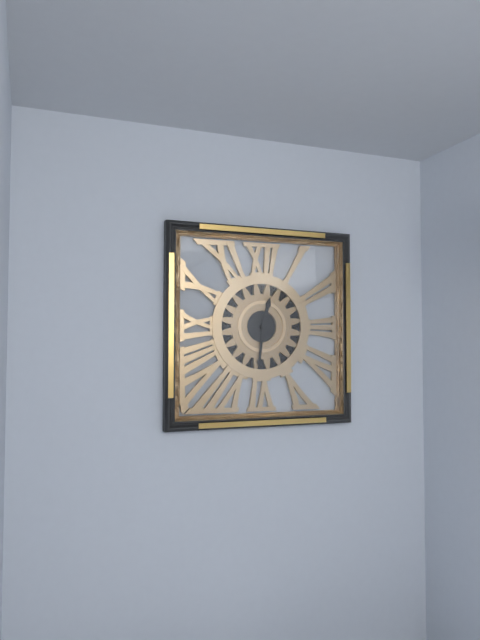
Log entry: {"hour": 12, "minute": 31}
